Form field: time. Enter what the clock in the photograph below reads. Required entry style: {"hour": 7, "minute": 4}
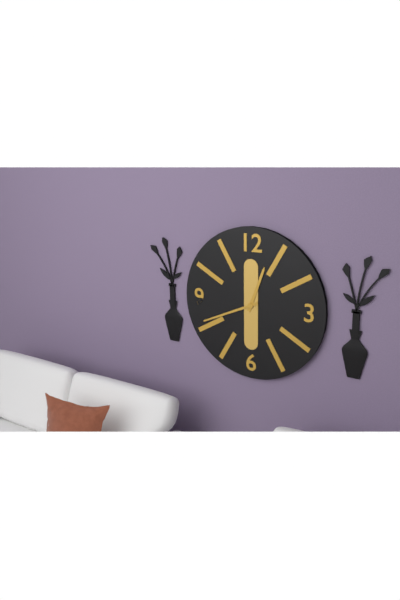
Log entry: {"hour": 12, "minute": 41}
